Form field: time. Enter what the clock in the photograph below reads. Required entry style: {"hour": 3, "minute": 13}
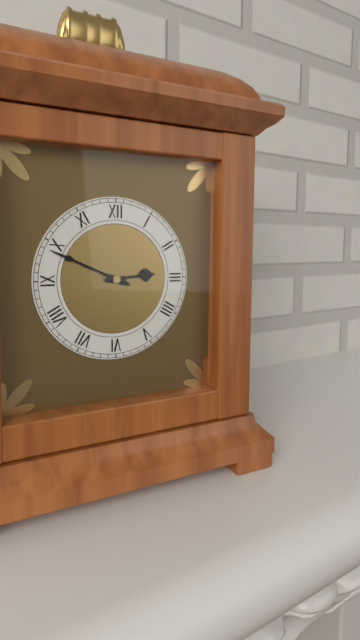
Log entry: {"hour": 2, "minute": 49}
